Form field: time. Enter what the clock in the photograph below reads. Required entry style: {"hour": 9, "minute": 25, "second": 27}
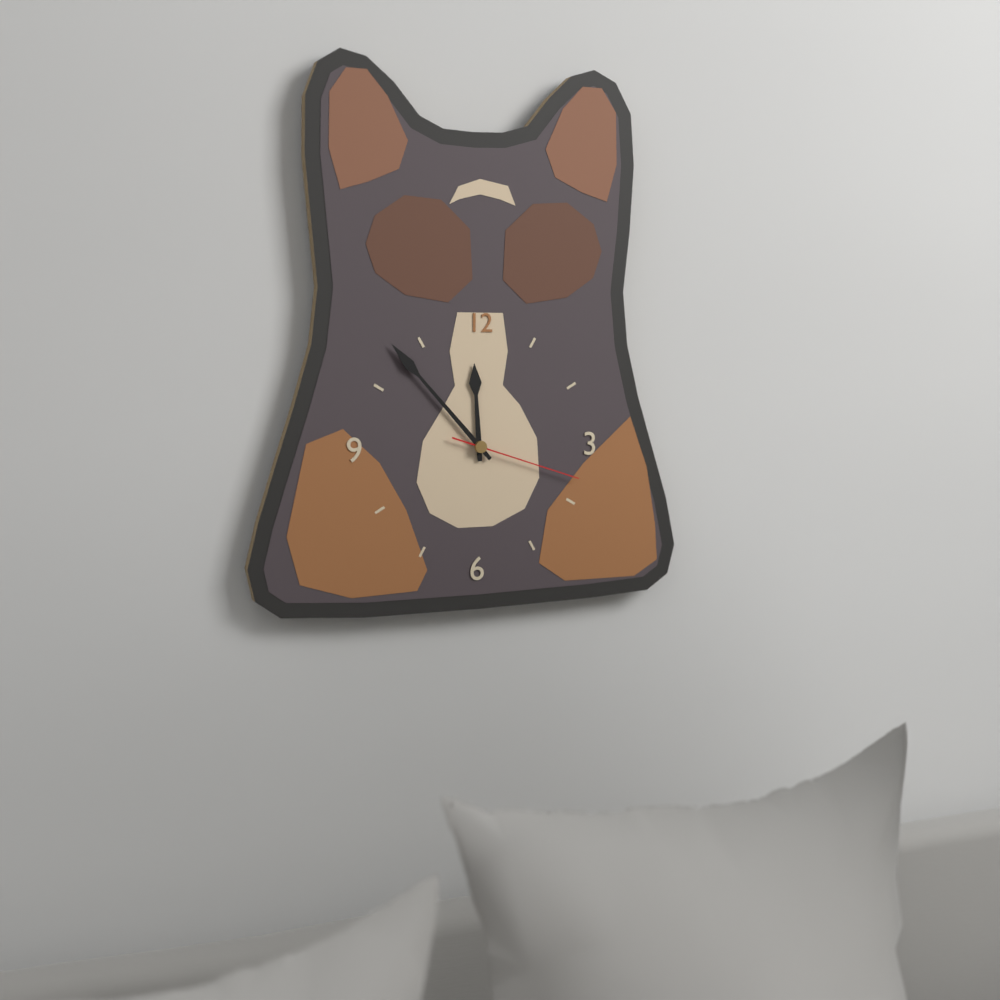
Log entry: {"hour": 11, "minute": 53, "second": 18}
